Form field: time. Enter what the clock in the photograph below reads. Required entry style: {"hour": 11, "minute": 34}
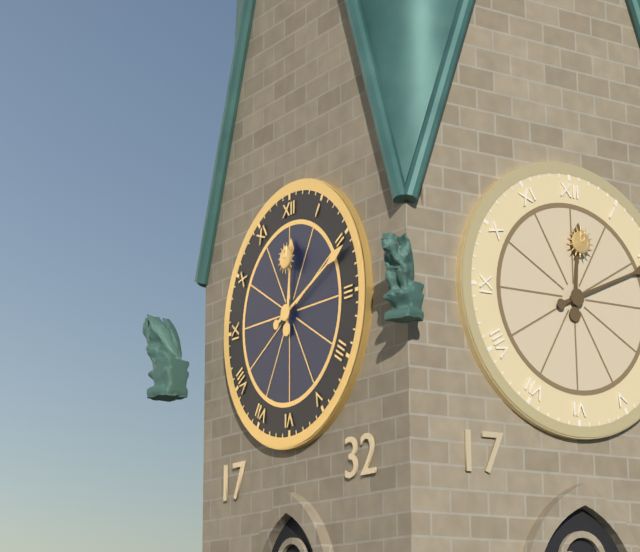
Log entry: {"hour": 12, "minute": 11}
